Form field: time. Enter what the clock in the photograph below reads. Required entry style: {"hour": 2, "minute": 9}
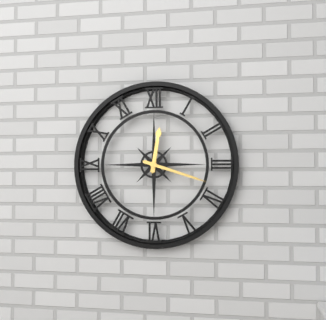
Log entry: {"hour": 12, "minute": 18}
